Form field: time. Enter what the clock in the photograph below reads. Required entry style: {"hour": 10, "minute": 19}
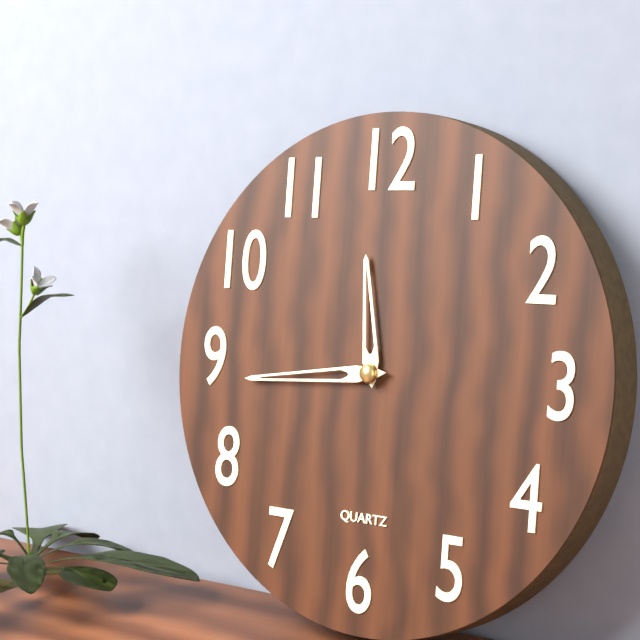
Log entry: {"hour": 11, "minute": 44}
